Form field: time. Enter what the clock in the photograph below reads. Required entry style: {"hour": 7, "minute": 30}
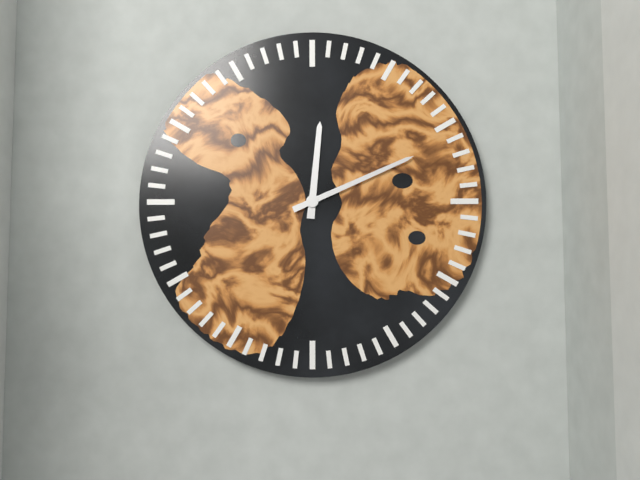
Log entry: {"hour": 12, "minute": 11}
